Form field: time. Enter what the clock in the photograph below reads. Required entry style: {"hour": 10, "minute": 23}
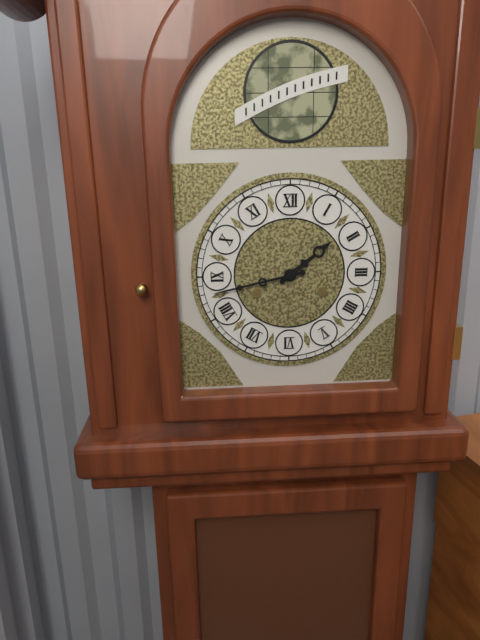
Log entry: {"hour": 1, "minute": 43}
